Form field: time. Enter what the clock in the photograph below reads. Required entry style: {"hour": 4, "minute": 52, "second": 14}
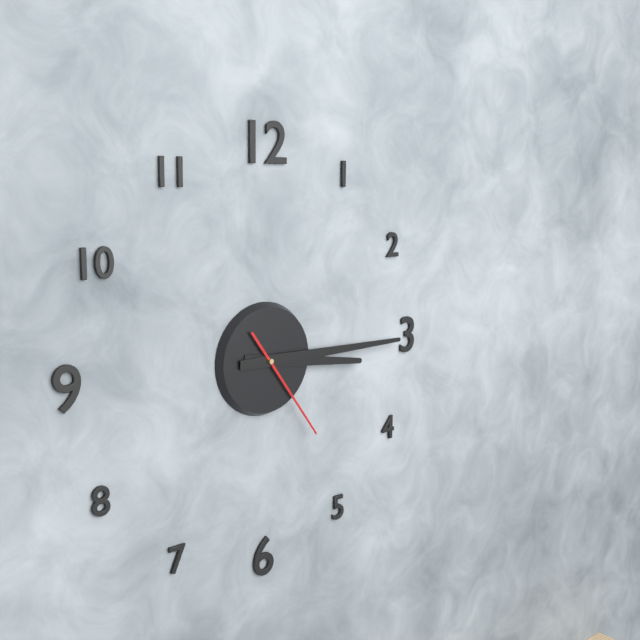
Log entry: {"hour": 3, "minute": 15, "second": 24}
